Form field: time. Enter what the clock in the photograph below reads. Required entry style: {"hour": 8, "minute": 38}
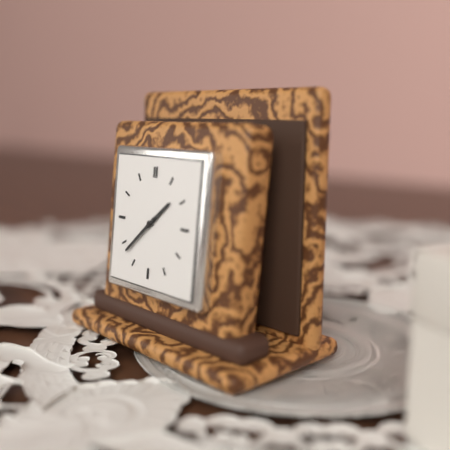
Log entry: {"hour": 1, "minute": 38}
